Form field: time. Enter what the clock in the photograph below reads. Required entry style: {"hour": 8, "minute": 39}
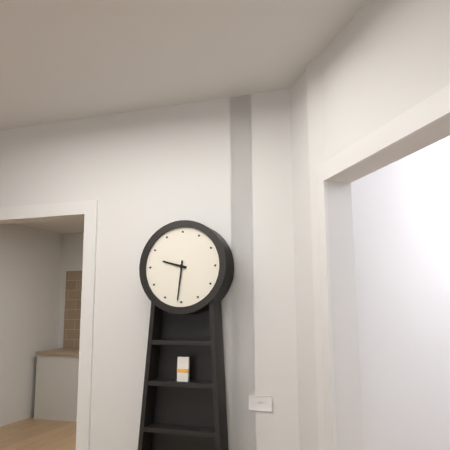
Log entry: {"hour": 9, "minute": 31}
